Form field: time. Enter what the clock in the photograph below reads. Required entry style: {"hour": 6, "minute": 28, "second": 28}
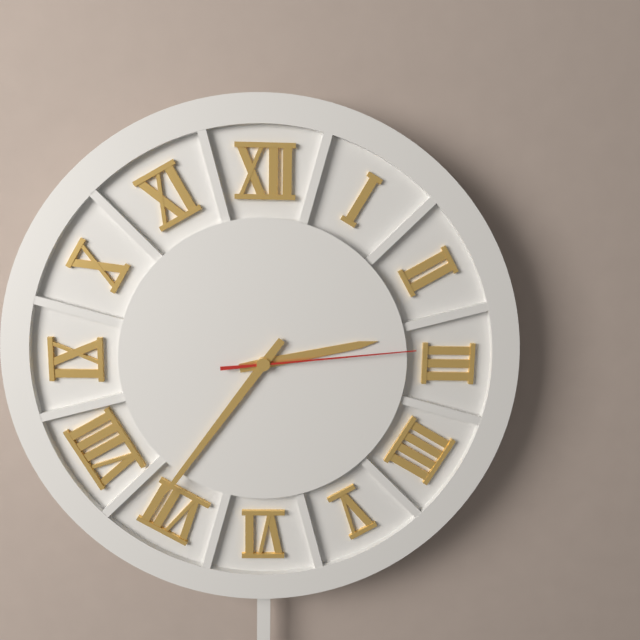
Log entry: {"hour": 2, "minute": 36, "second": 14}
